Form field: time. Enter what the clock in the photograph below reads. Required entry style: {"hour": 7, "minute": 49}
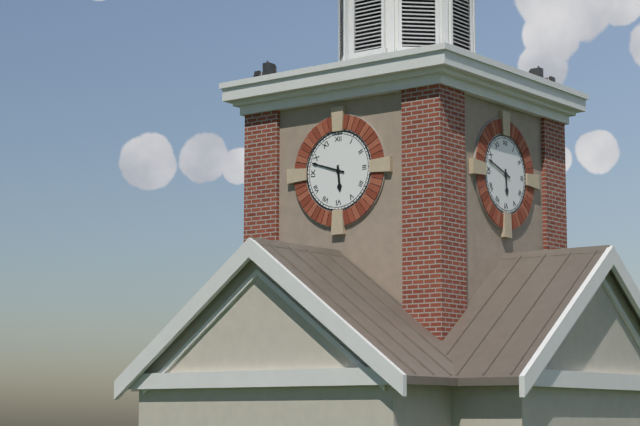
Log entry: {"hour": 5, "minute": 48}
